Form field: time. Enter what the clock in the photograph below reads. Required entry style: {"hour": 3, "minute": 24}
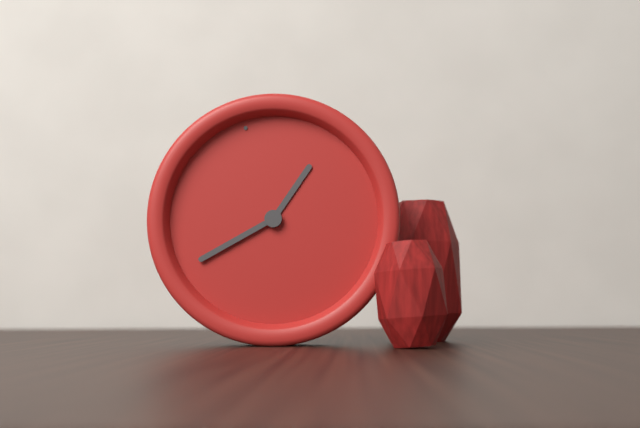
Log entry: {"hour": 1, "minute": 43}
